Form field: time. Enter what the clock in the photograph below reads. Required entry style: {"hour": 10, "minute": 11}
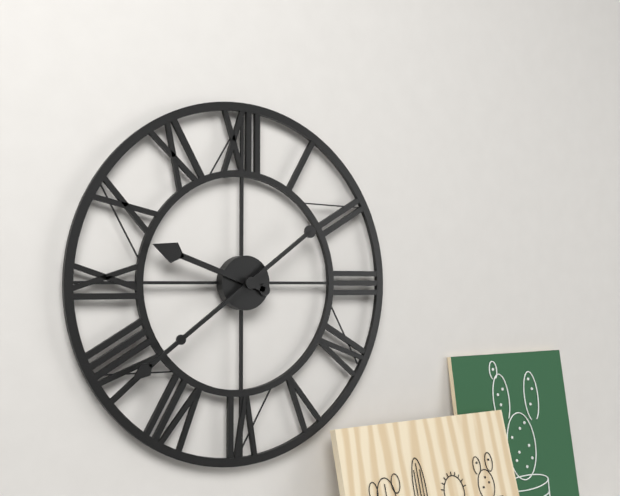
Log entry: {"hour": 9, "minute": 39}
